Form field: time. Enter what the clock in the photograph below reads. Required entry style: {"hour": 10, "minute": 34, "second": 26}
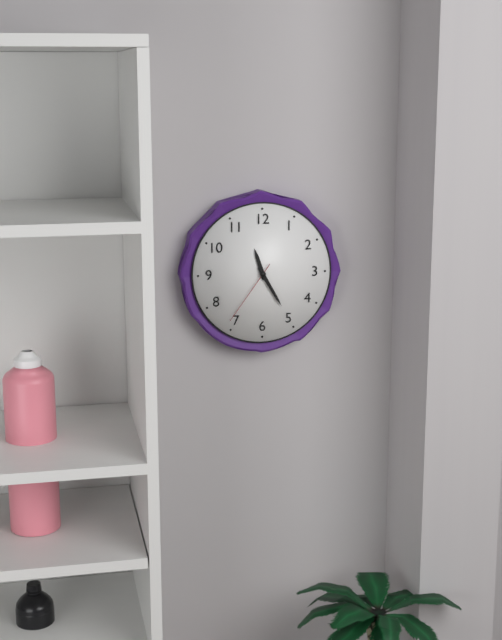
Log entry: {"hour": 11, "minute": 25, "second": 36}
